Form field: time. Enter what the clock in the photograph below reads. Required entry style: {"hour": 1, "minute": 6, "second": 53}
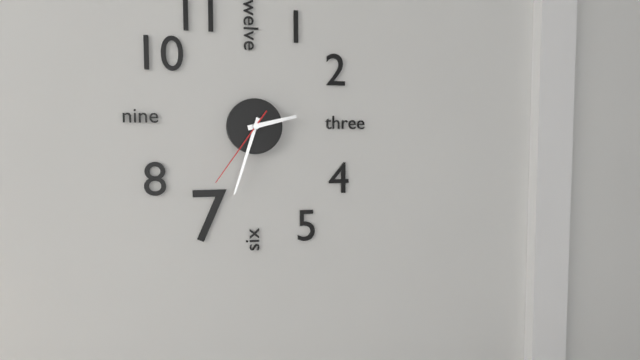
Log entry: {"hour": 2, "minute": 33, "second": 36}
